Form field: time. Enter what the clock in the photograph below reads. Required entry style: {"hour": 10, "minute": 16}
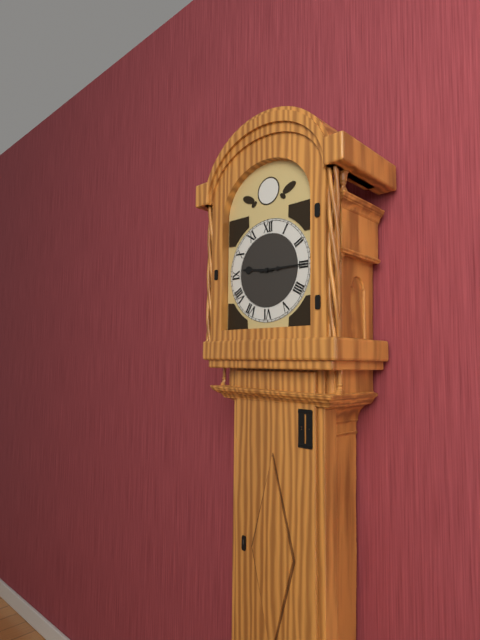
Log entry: {"hour": 9, "minute": 15}
